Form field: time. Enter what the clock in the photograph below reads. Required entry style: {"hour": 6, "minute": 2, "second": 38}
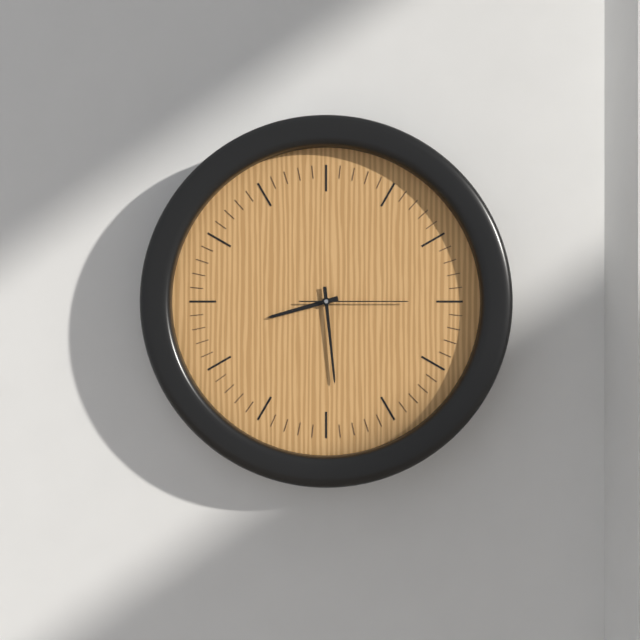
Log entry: {"hour": 8, "minute": 29, "second": 15}
